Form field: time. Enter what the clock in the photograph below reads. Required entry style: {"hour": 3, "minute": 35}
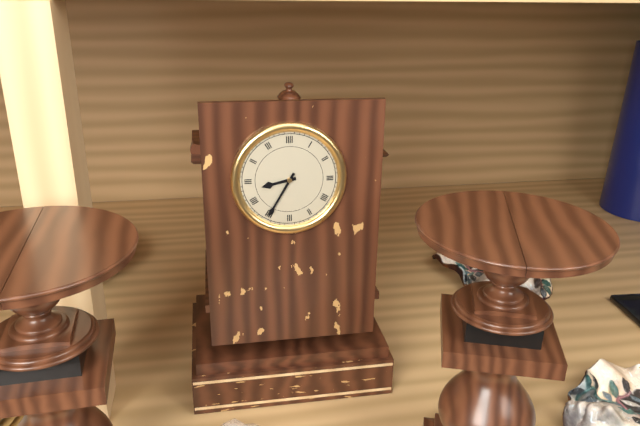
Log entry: {"hour": 8, "minute": 35}
